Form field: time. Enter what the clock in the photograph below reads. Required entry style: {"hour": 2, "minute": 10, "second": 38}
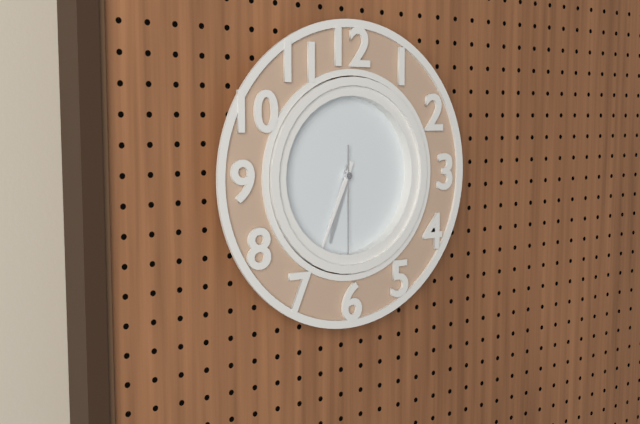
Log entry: {"hour": 6, "minute": 34, "second": 30}
